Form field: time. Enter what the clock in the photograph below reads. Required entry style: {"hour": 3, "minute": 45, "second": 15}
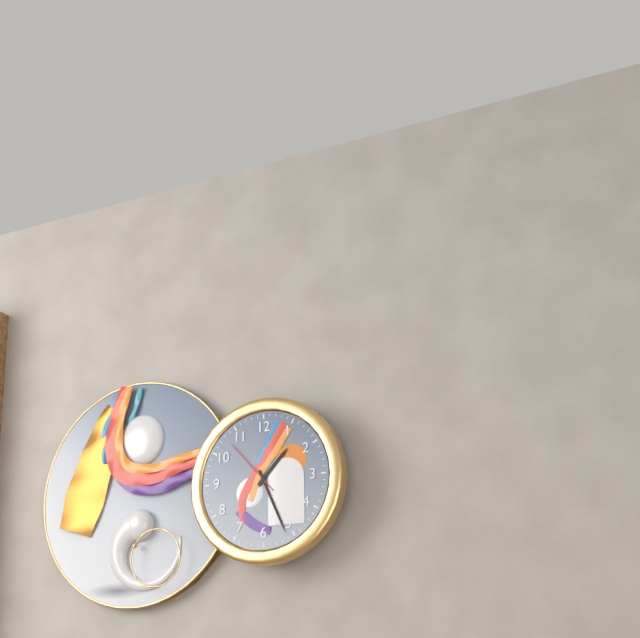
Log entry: {"hour": 1, "minute": 26, "second": 53}
